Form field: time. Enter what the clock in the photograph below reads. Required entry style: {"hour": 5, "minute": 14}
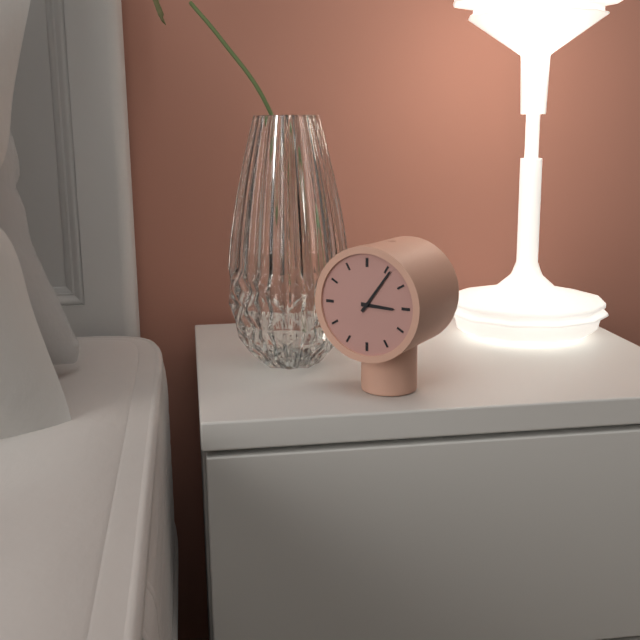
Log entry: {"hour": 3, "minute": 6}
